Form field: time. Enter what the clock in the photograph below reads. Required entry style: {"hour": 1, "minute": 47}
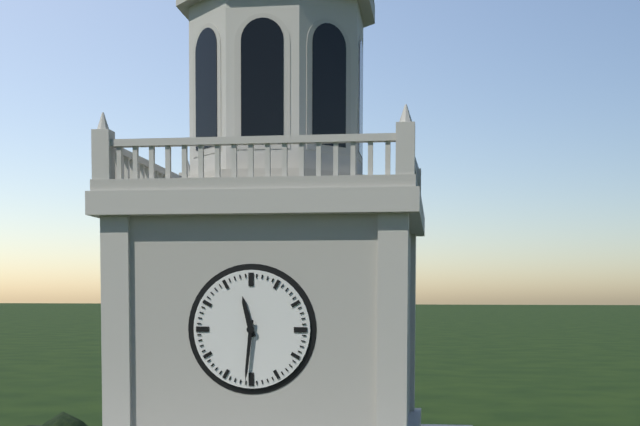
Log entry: {"hour": 11, "minute": 31}
